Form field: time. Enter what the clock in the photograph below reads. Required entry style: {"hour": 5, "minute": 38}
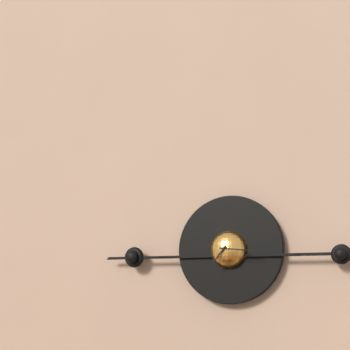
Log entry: {"hour": 7, "minute": 16}
